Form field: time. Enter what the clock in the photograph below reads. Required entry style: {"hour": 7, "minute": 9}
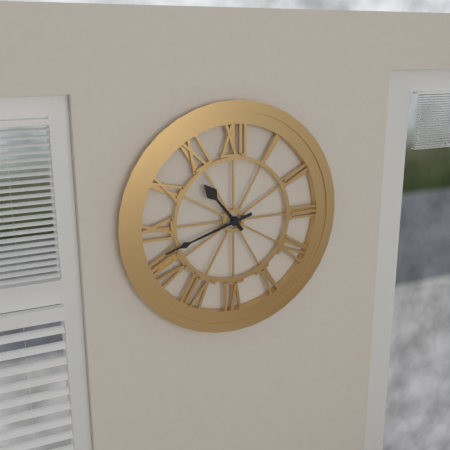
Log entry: {"hour": 10, "minute": 42}
